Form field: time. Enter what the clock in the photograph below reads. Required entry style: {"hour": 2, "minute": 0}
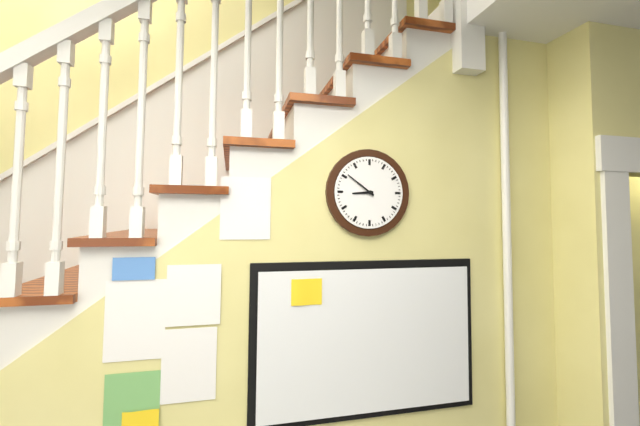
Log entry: {"hour": 8, "minute": 51}
